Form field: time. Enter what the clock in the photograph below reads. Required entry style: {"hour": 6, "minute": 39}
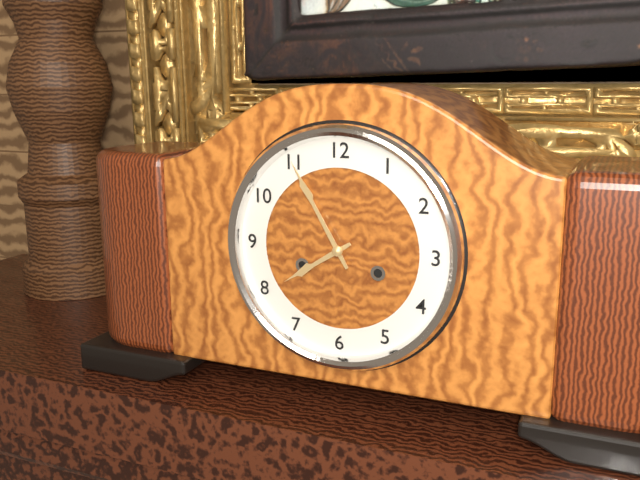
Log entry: {"hour": 7, "minute": 55}
